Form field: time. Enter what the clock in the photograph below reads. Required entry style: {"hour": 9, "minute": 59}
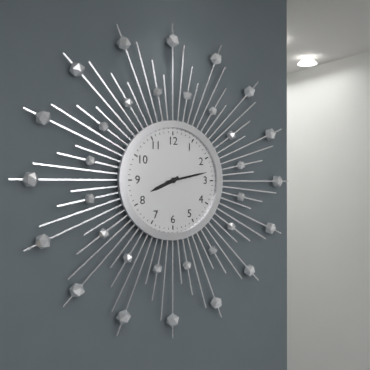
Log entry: {"hour": 8, "minute": 13}
